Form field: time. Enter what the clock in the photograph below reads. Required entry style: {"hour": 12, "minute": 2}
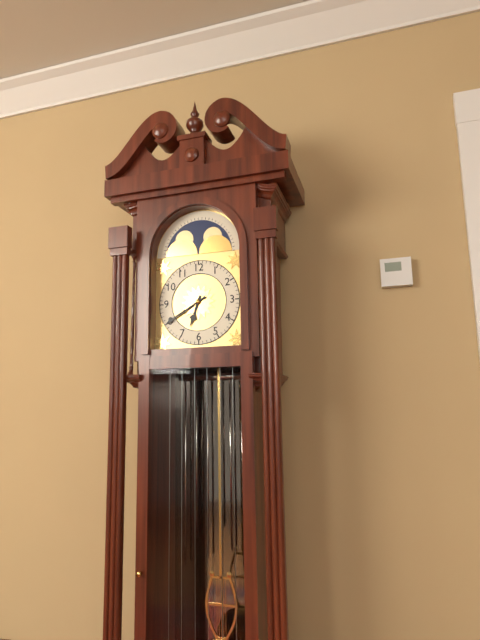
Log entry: {"hour": 6, "minute": 40}
